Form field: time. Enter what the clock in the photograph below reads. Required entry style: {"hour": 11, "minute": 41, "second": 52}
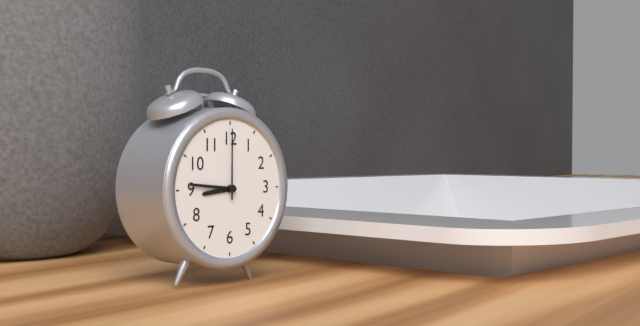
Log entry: {"hour": 8, "minute": 46, "second": 0}
